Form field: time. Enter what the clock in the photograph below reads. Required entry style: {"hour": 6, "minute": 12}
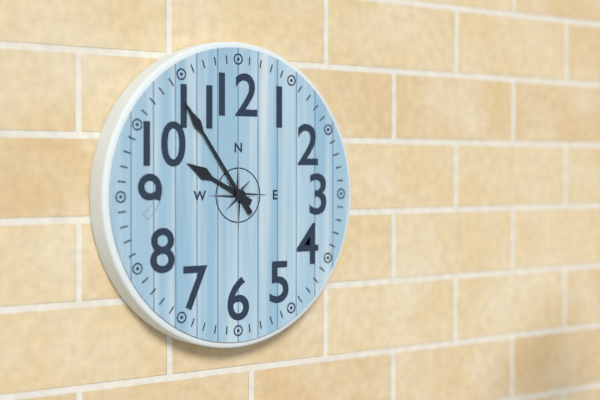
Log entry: {"hour": 9, "minute": 54}
